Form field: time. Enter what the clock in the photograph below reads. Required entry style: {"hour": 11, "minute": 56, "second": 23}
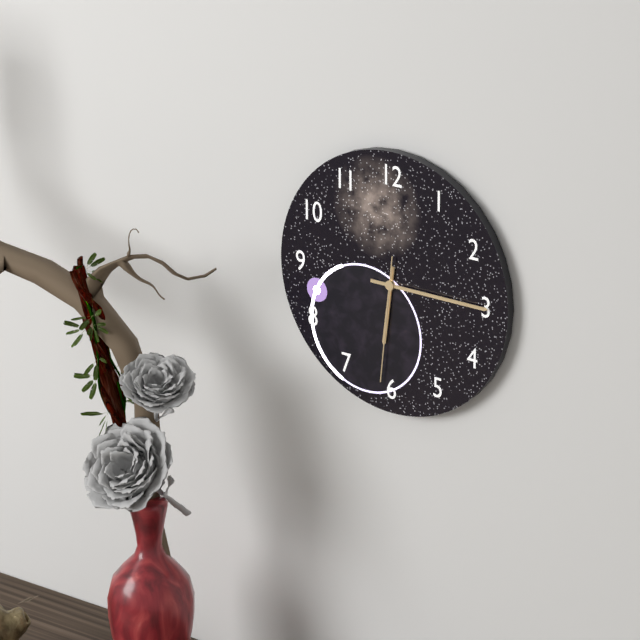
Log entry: {"hour": 6, "minute": 15, "second": 31}
